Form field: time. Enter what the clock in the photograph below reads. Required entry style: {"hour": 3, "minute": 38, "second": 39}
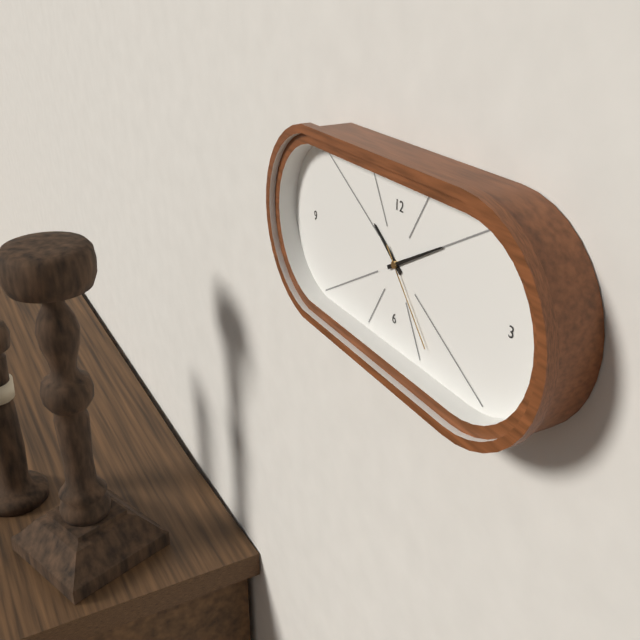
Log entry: {"hour": 10, "minute": 10, "second": 23}
